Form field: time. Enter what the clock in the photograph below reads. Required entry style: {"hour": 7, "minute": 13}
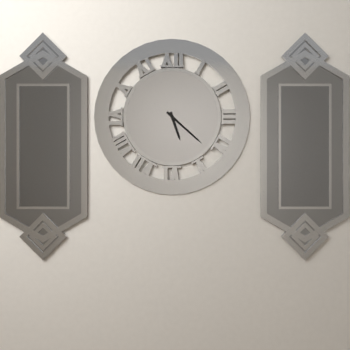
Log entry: {"hour": 5, "minute": 22}
